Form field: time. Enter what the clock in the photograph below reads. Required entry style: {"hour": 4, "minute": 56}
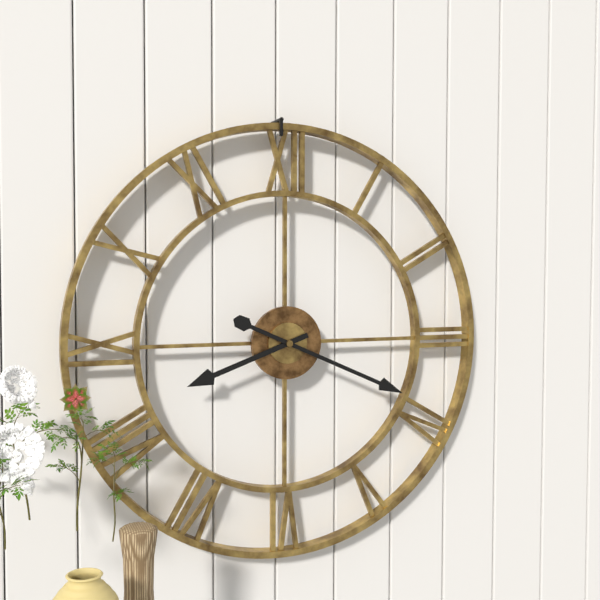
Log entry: {"hour": 8, "minute": 19}
